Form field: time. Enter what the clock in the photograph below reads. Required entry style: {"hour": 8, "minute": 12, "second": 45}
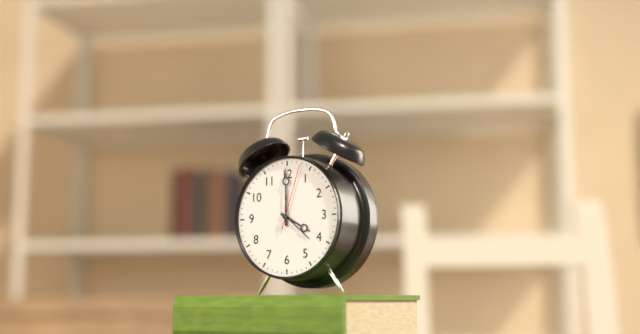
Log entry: {"hour": 4, "minute": 0, "second": 3}
